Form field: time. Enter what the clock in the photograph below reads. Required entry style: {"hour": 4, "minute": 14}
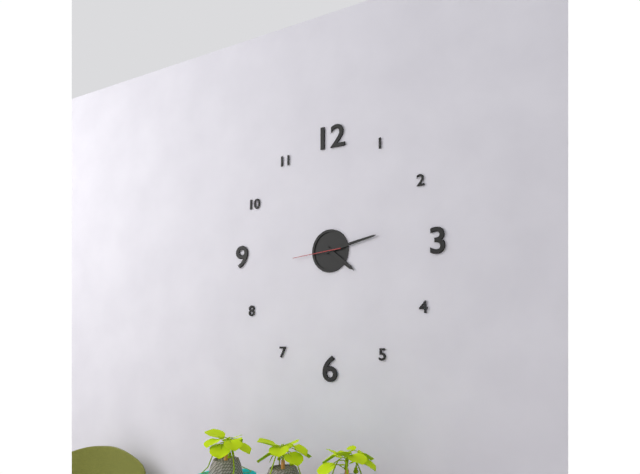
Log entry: {"hour": 4, "minute": 13}
